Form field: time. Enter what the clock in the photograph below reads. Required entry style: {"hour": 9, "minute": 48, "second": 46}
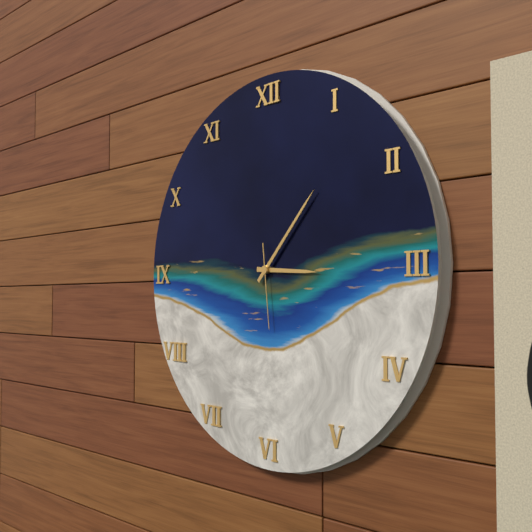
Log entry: {"hour": 3, "minute": 7, "second": 29}
